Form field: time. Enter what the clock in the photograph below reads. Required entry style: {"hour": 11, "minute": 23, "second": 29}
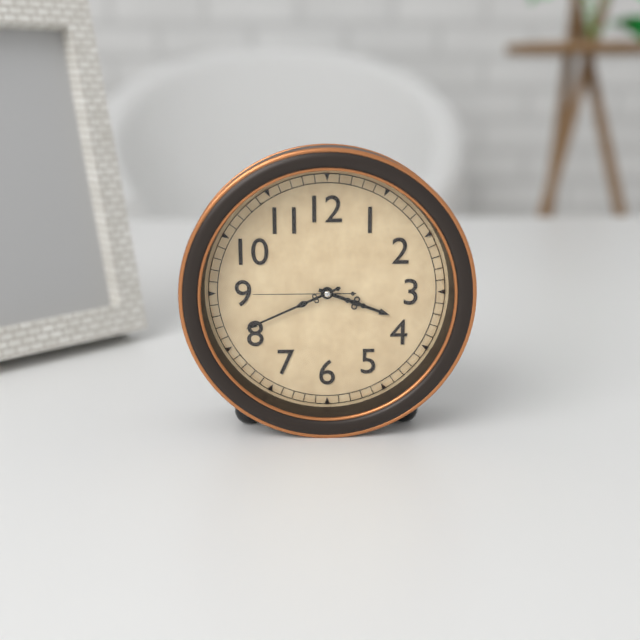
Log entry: {"hour": 3, "minute": 41, "second": 45}
